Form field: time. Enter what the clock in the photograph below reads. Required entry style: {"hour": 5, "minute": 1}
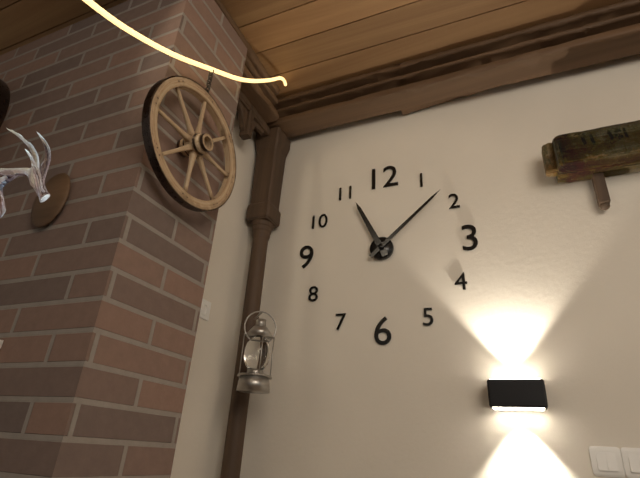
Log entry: {"hour": 11, "minute": 8}
